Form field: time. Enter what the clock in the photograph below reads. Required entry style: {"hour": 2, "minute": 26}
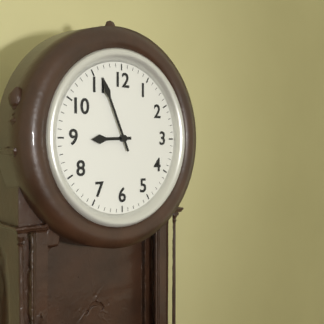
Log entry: {"hour": 8, "minute": 56}
